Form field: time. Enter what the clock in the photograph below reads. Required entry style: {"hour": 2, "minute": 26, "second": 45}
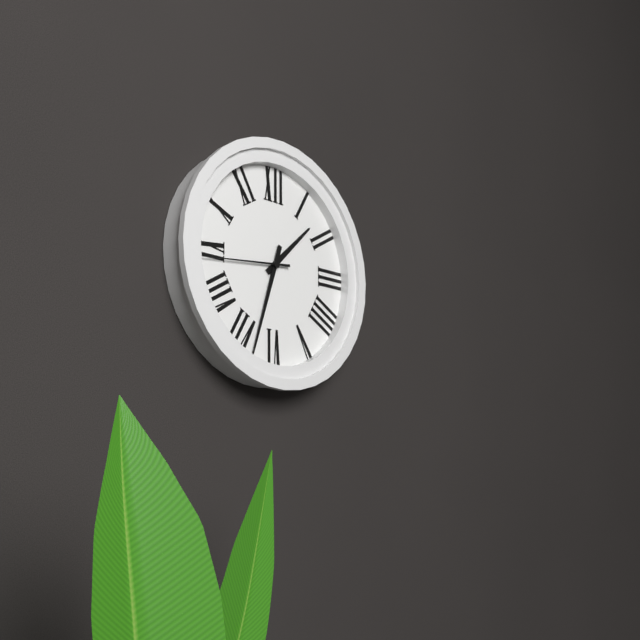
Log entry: {"hour": 1, "minute": 33, "second": 44}
